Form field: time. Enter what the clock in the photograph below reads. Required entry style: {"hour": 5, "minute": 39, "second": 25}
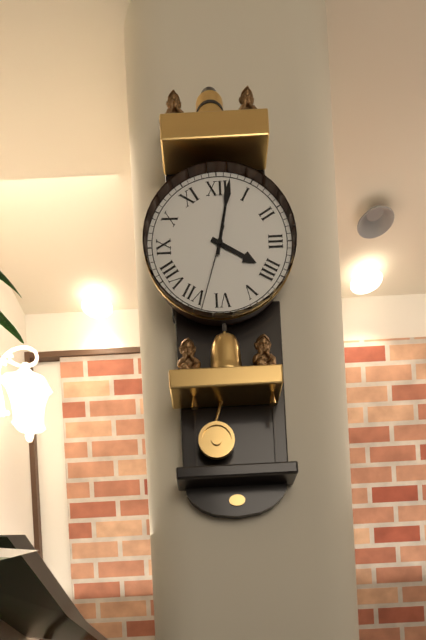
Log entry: {"hour": 4, "minute": 2, "second": 33}
